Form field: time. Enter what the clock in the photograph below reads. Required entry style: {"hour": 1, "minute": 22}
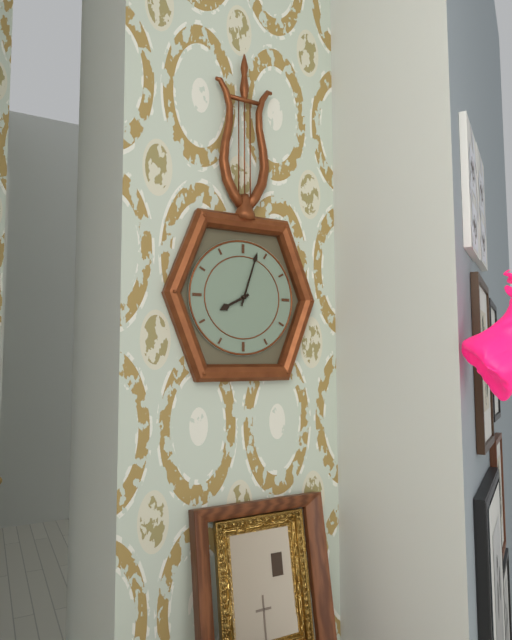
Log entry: {"hour": 8, "minute": 3}
